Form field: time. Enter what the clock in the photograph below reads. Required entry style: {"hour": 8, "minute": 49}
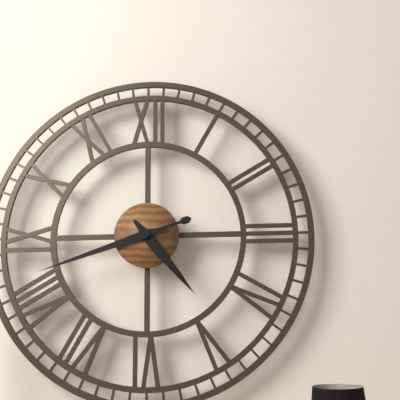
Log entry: {"hour": 4, "minute": 42}
